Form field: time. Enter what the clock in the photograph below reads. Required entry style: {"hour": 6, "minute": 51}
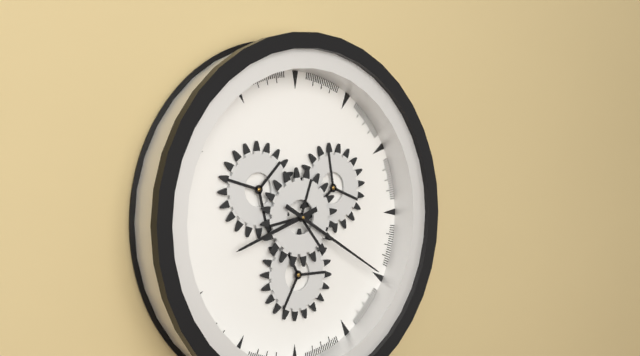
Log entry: {"hour": 8, "minute": 20}
